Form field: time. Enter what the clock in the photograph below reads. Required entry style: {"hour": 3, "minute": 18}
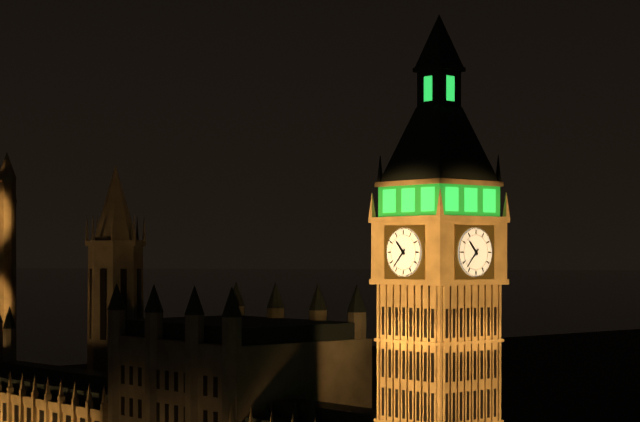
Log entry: {"hour": 10, "minute": 37}
